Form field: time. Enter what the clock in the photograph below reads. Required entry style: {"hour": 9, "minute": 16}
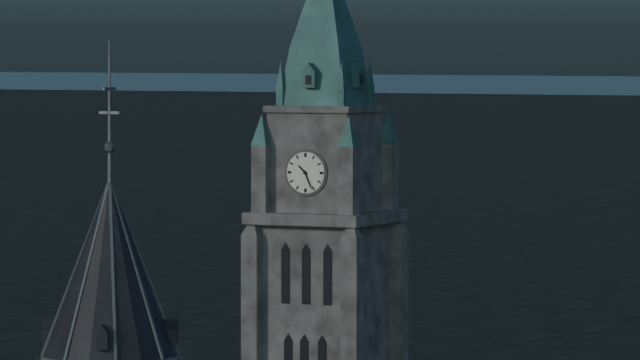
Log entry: {"hour": 10, "minute": 26}
